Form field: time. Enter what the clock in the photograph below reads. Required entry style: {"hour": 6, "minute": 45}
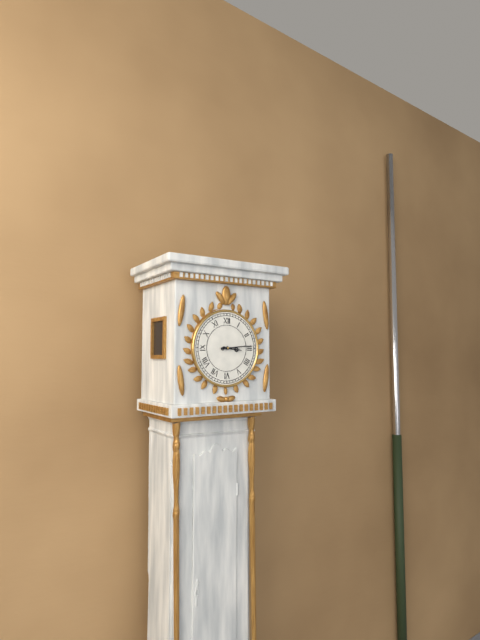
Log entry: {"hour": 3, "minute": 14}
